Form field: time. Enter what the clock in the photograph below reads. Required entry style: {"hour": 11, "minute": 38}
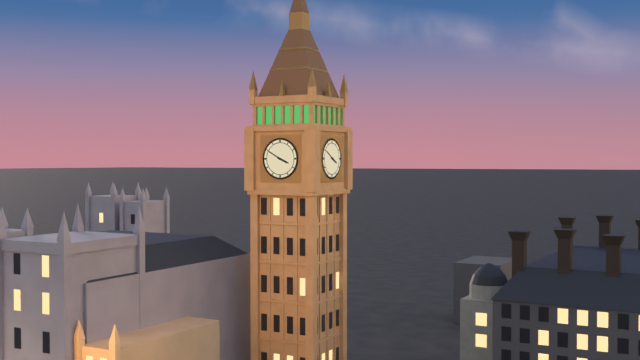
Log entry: {"hour": 3, "minute": 50}
